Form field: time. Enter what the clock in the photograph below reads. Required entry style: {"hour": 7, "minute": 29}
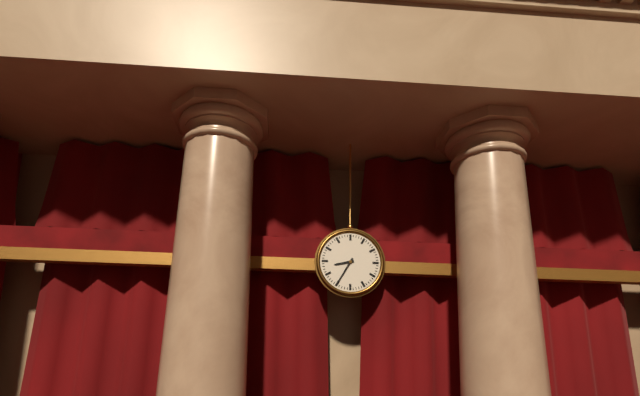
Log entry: {"hour": 8, "minute": 35}
